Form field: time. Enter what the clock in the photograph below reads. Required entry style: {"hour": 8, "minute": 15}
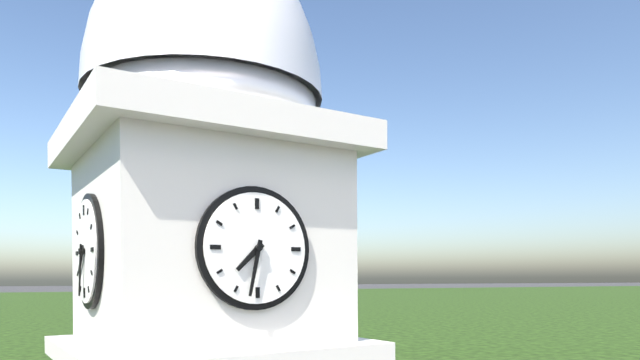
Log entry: {"hour": 7, "minute": 32}
